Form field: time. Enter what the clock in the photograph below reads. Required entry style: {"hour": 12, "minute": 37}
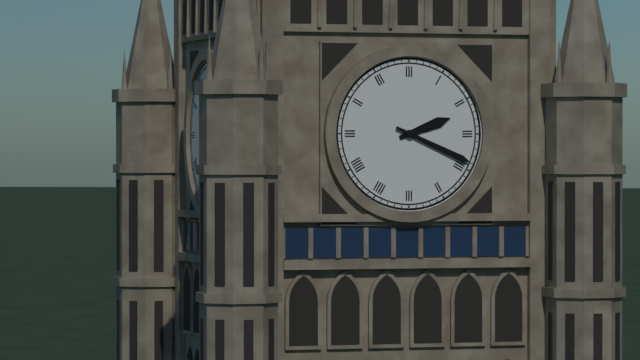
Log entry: {"hour": 2, "minute": 19}
